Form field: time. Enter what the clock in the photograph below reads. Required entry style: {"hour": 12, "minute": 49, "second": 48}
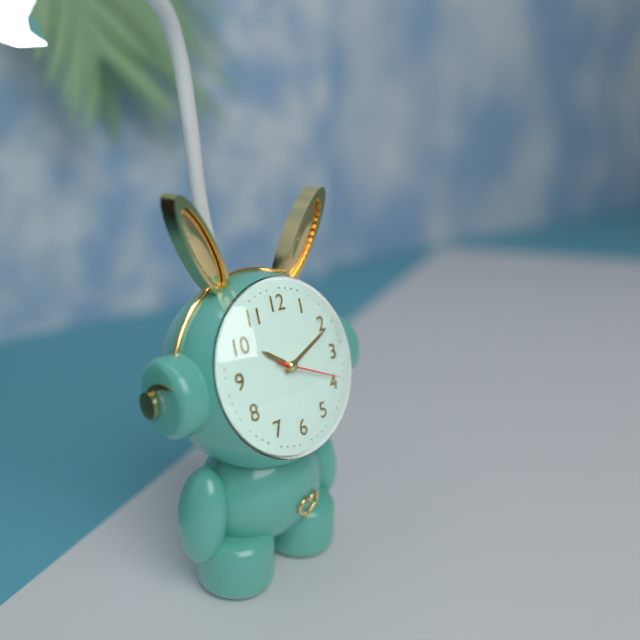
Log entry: {"hour": 10, "minute": 11, "second": 19}
